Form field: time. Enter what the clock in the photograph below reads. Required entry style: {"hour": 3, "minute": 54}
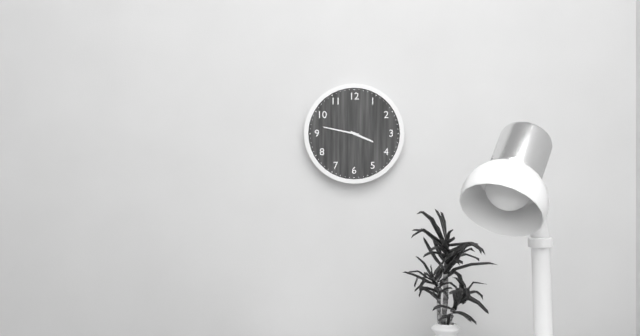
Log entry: {"hour": 3, "minute": 47}
